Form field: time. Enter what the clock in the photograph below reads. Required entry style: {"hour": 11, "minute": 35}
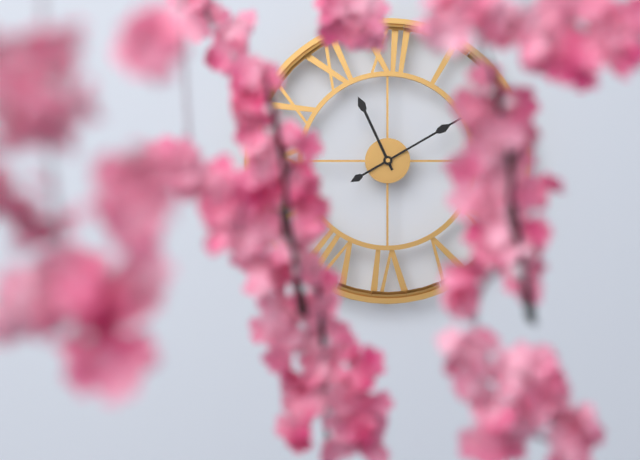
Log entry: {"hour": 11, "minute": 10}
